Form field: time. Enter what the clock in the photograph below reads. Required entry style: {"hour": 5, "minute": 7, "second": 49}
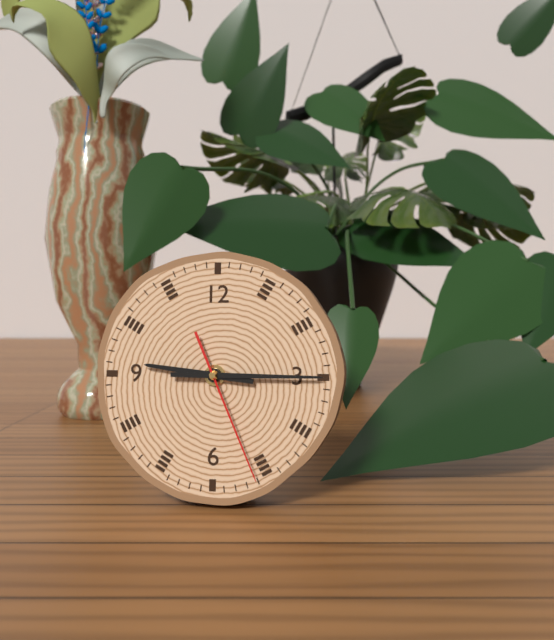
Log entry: {"hour": 9, "minute": 15, "second": 26}
